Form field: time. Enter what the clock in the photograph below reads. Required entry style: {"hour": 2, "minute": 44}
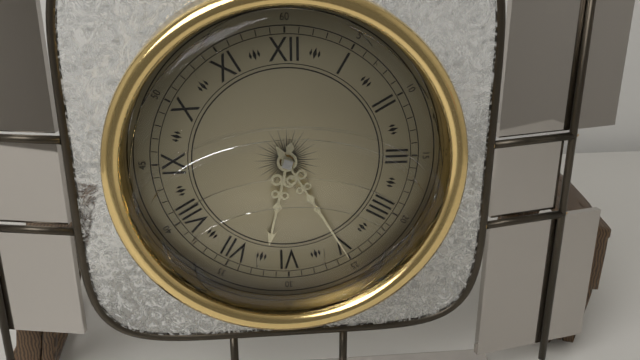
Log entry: {"hour": 6, "minute": 25}
